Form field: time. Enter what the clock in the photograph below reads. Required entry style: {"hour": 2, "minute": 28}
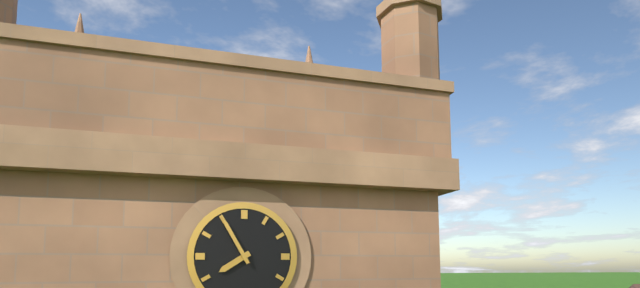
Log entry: {"hour": 7, "minute": 55}
